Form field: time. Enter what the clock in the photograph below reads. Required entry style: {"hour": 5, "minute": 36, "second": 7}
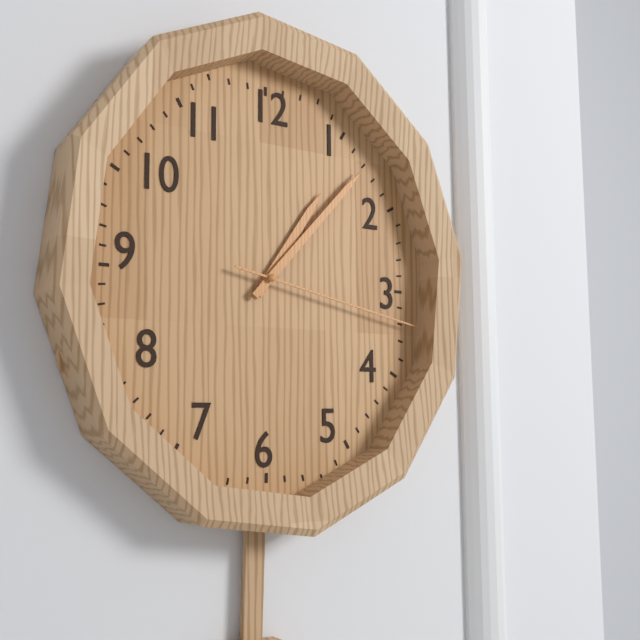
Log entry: {"hour": 1, "minute": 7, "second": 17}
